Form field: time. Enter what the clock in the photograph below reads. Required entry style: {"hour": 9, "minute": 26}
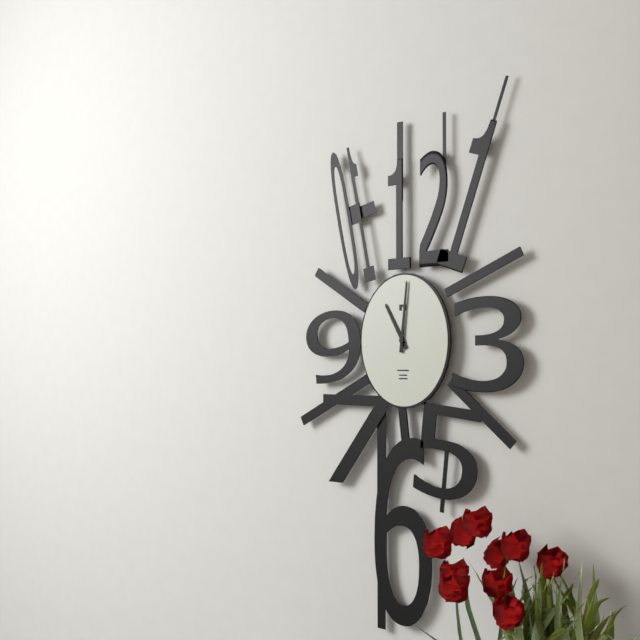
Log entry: {"hour": 11, "minute": 1}
